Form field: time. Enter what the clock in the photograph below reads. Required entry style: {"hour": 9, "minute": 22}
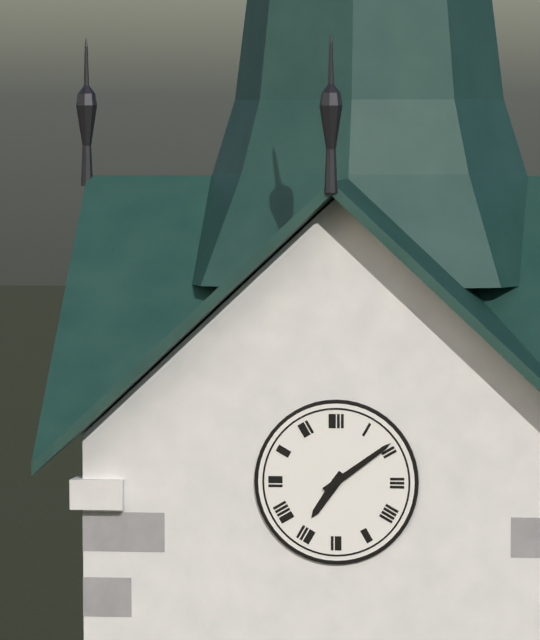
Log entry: {"hour": 7, "minute": 9}
